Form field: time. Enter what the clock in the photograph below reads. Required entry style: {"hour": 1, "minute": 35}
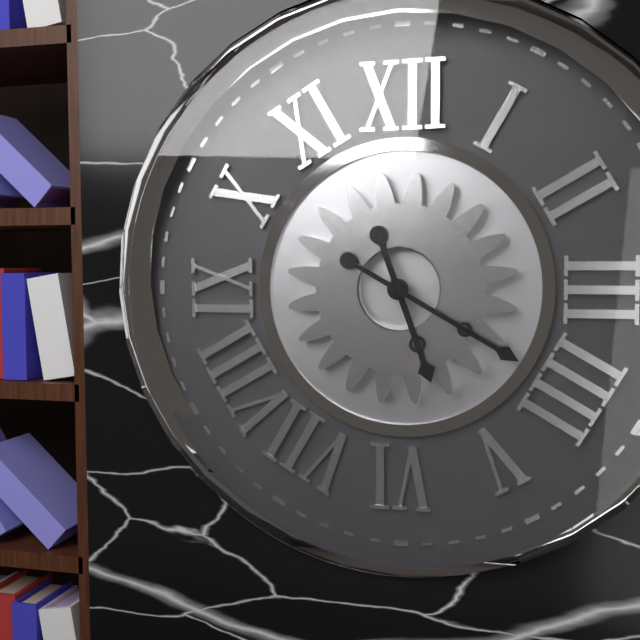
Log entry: {"hour": 5, "minute": 20}
